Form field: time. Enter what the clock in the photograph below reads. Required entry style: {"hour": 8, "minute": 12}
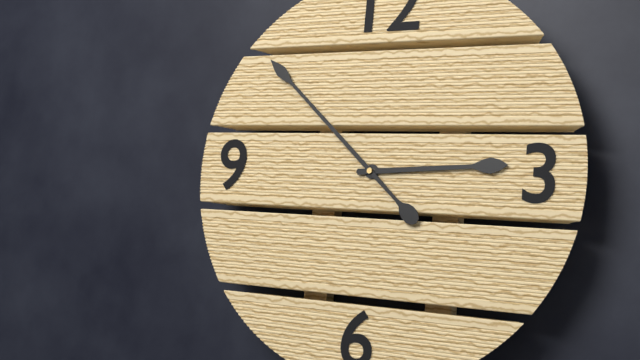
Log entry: {"hour": 2, "minute": 52}
